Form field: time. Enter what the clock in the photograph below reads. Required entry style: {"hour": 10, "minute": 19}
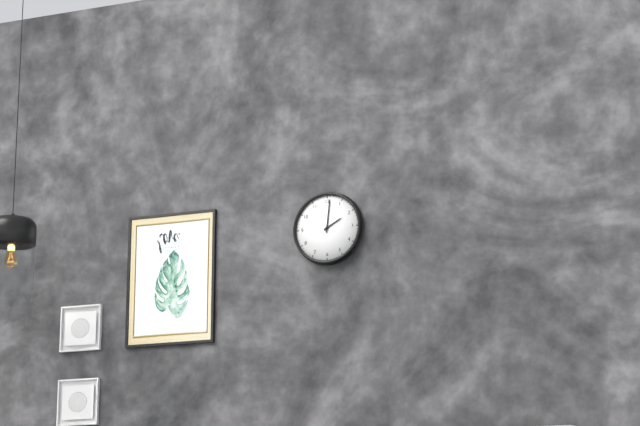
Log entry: {"hour": 2, "minute": 1}
